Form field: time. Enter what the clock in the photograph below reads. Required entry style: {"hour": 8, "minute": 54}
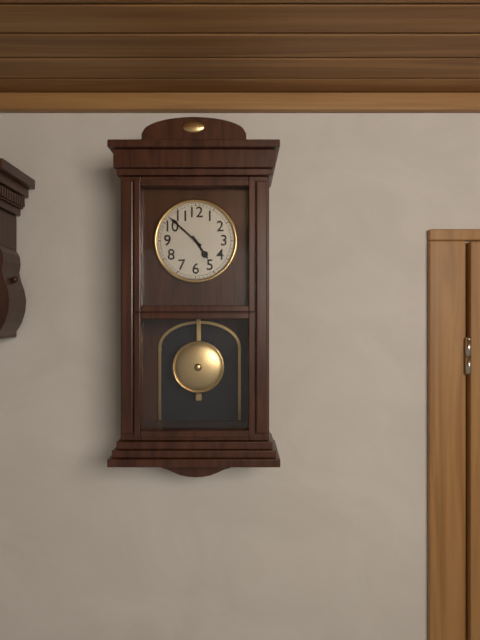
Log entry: {"hour": 4, "minute": 52}
